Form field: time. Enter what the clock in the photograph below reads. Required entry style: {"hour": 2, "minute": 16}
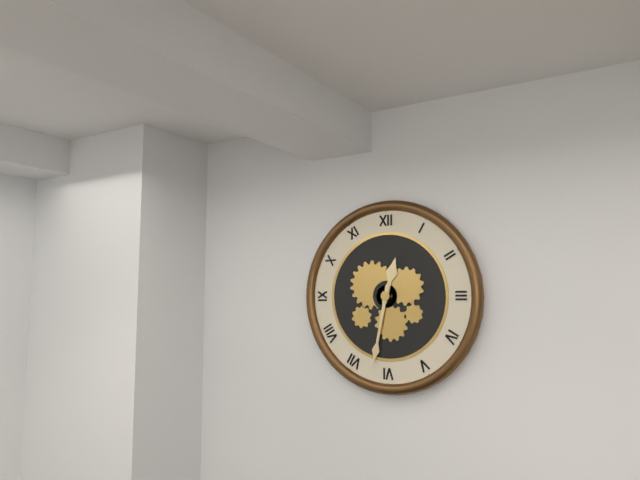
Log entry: {"hour": 12, "minute": 32}
